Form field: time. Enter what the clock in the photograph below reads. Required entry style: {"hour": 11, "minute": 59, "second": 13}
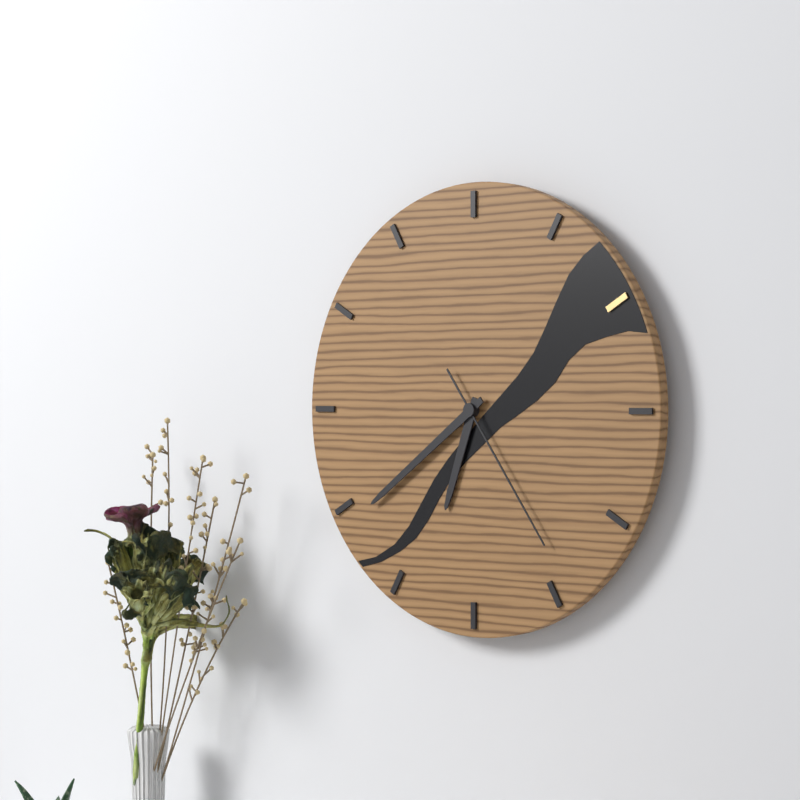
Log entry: {"hour": 6, "minute": 39, "second": 24}
